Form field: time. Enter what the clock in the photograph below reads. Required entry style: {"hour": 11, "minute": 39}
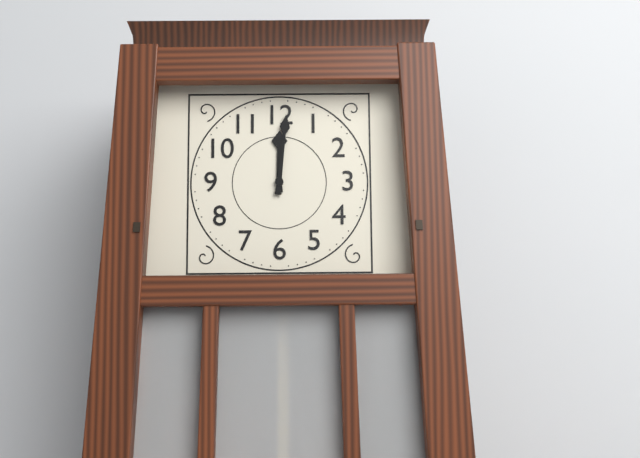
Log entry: {"hour": 12, "minute": 1}
